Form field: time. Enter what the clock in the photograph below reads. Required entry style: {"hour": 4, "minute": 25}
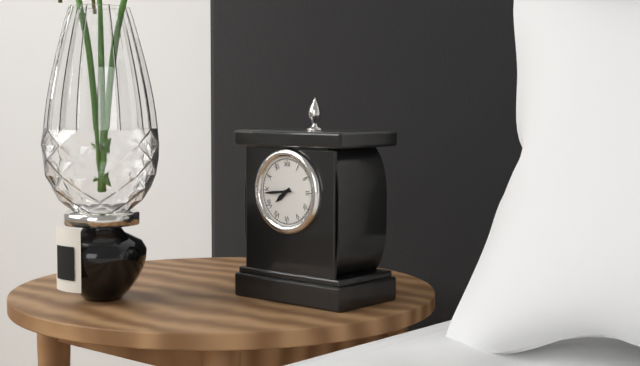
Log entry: {"hour": 7, "minute": 44}
